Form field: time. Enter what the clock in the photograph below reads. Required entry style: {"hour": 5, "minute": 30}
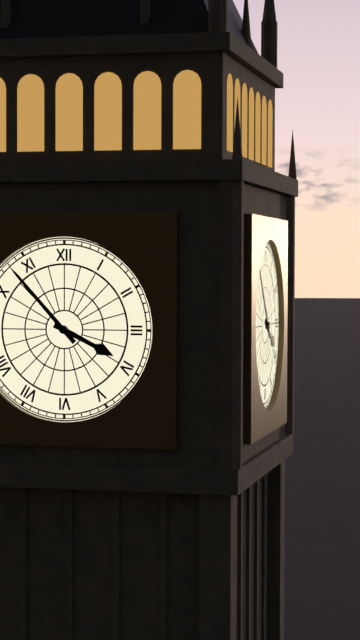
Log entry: {"hour": 3, "minute": 53}
